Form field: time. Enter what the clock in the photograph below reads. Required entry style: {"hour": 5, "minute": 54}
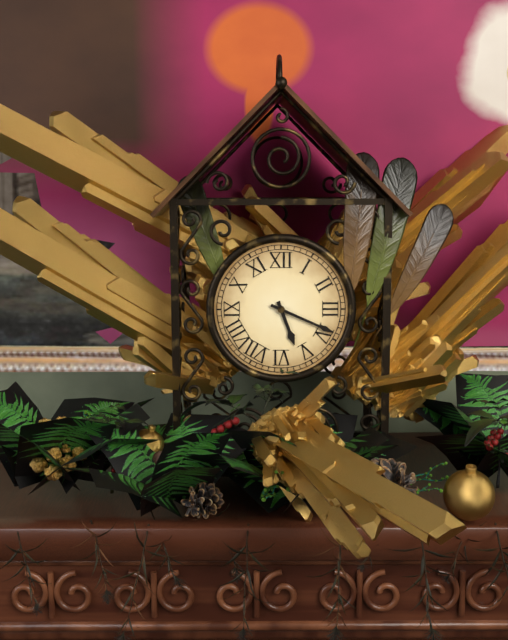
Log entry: {"hour": 5, "minute": 19}
